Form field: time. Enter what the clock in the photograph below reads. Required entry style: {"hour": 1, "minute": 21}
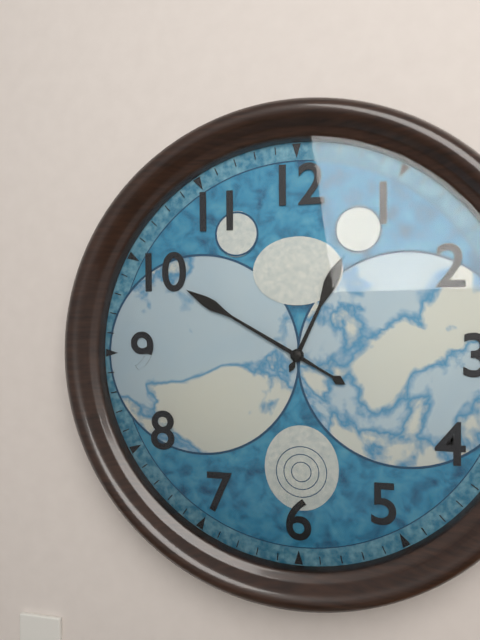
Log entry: {"hour": 12, "minute": 50}
